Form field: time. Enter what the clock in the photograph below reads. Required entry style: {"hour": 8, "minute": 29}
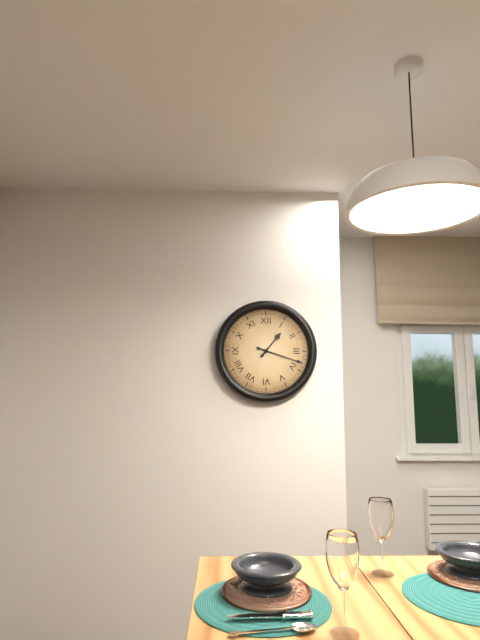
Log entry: {"hour": 1, "minute": 18}
